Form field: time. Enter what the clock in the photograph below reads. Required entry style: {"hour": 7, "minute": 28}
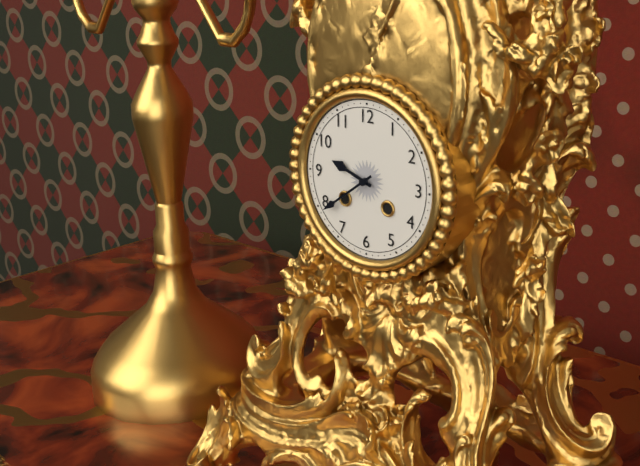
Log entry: {"hour": 9, "minute": 39}
